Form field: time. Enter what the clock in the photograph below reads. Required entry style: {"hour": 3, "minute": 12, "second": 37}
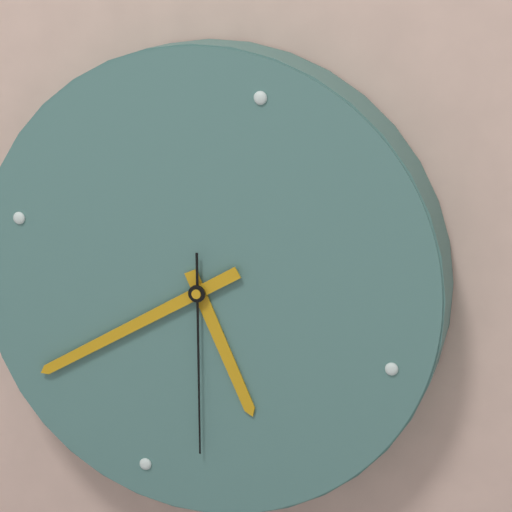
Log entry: {"hour": 4, "minute": 37, "second": 27}
